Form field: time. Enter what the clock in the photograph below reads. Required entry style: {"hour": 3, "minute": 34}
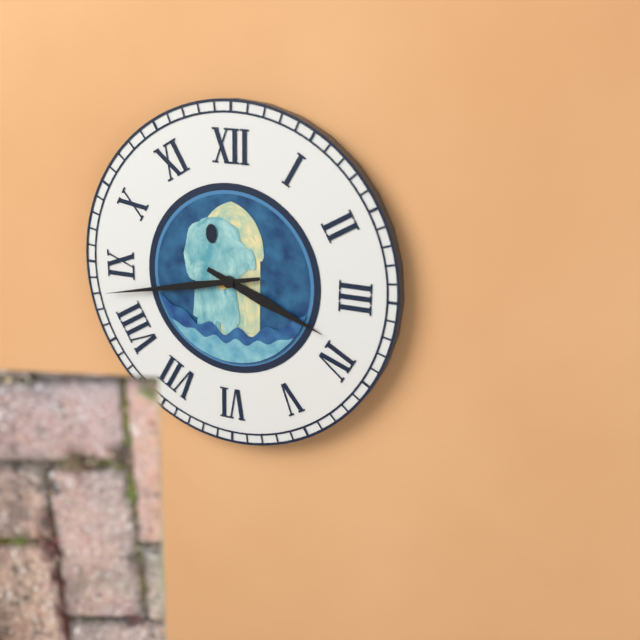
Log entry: {"hour": 3, "minute": 43}
